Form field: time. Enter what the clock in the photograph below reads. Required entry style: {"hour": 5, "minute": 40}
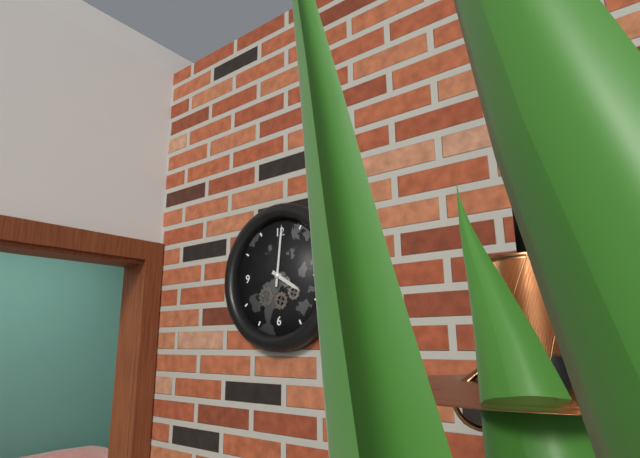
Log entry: {"hour": 4, "minute": 1}
